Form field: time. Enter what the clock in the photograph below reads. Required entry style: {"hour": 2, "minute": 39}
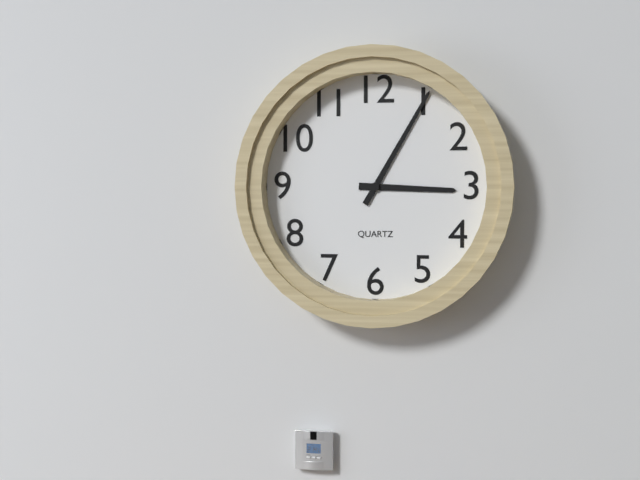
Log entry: {"hour": 3, "minute": 5}
